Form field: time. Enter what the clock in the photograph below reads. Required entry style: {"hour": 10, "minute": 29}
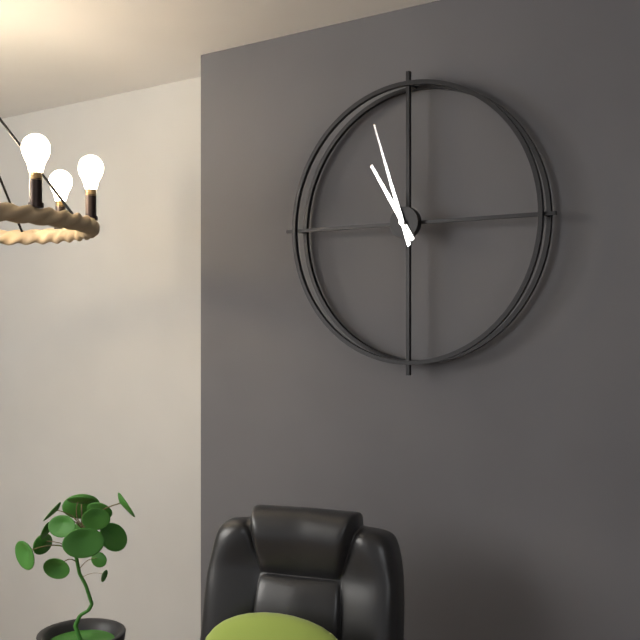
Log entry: {"hour": 10, "minute": 57}
